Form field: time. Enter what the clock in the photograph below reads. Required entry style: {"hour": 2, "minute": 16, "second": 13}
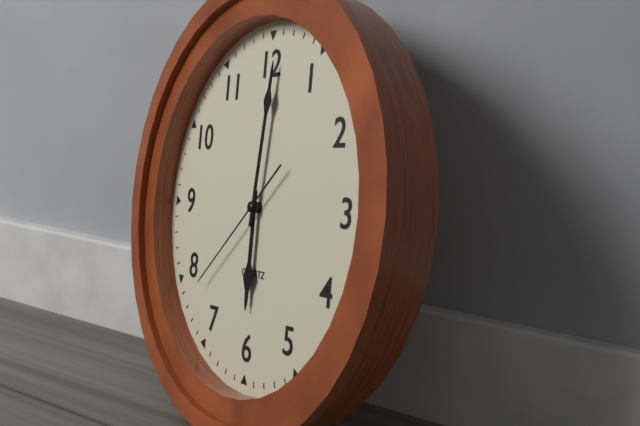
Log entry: {"hour": 6, "minute": 1, "second": 38}
